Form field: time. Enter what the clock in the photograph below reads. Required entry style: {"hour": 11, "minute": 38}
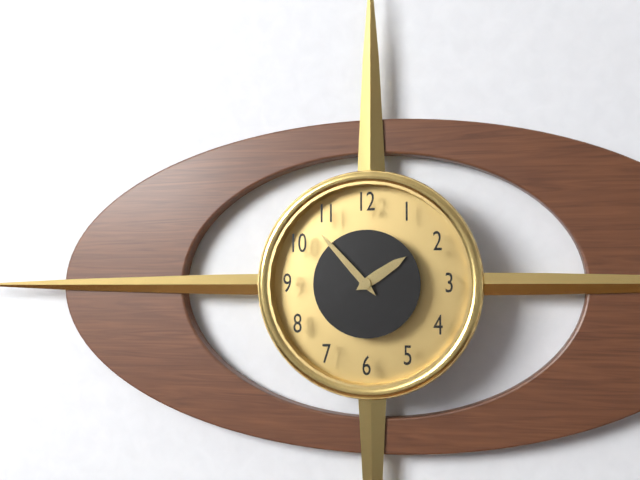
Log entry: {"hour": 1, "minute": 53}
